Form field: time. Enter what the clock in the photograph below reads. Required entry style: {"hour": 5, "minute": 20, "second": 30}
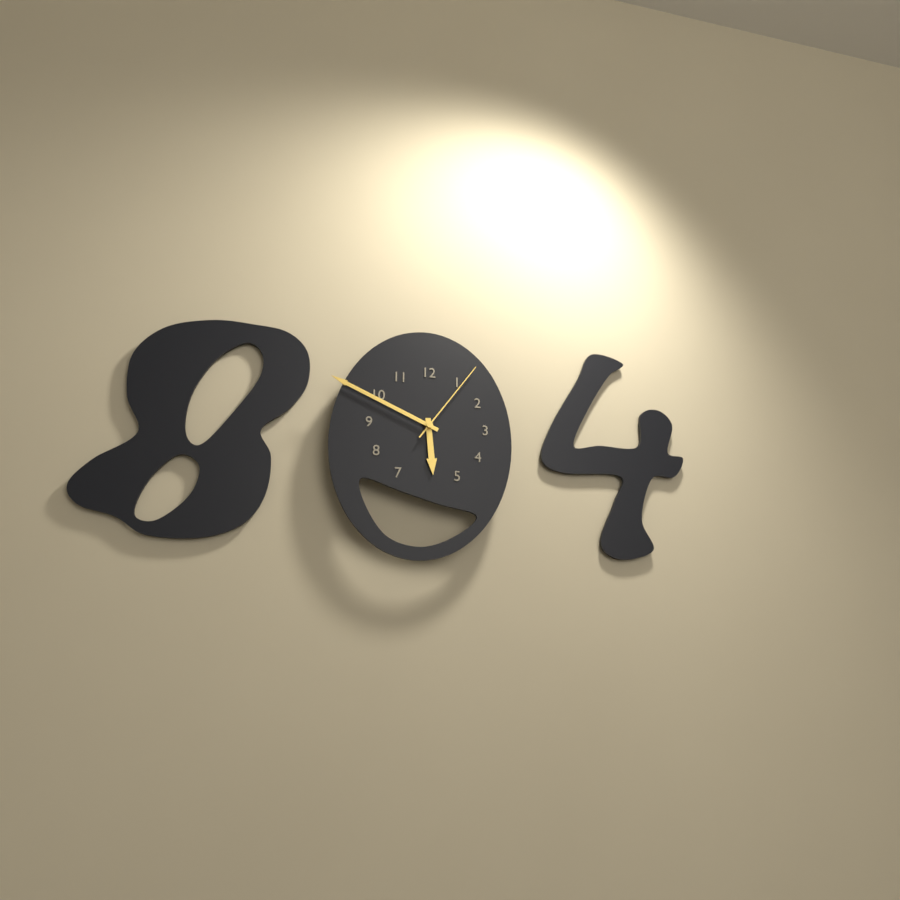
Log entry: {"hour": 5, "minute": 49, "second": 6}
